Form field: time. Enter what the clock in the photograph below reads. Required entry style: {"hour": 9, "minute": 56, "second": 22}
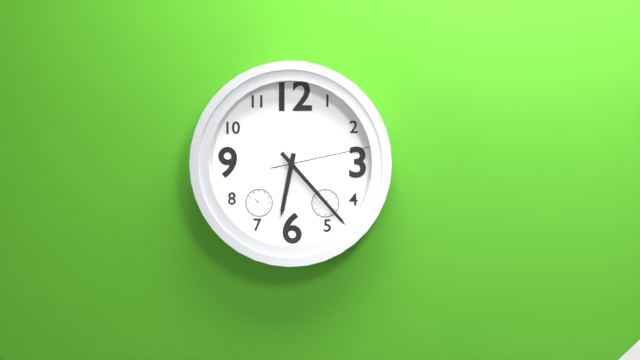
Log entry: {"hour": 6, "minute": 23, "second": 13}
